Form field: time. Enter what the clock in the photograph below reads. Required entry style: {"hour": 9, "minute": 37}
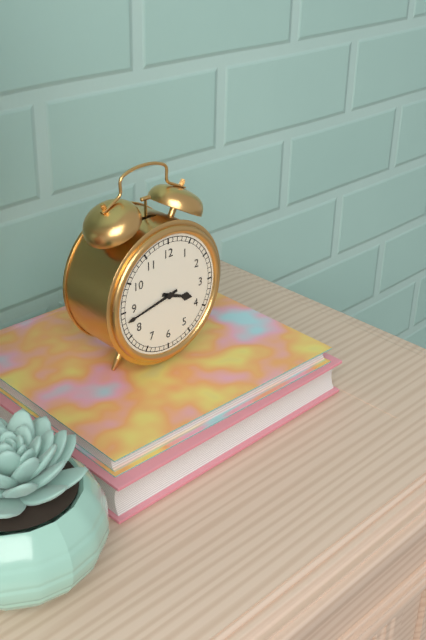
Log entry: {"hour": 3, "minute": 43}
